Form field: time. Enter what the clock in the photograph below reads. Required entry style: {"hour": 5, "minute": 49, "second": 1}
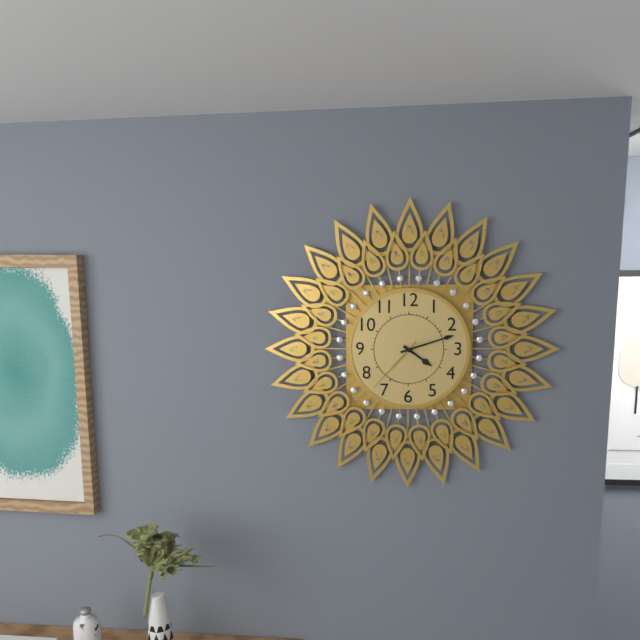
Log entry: {"hour": 4, "minute": 12, "second": 37}
